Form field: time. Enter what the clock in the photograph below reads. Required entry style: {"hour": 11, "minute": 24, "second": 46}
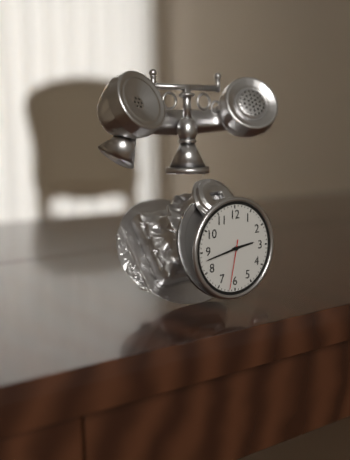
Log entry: {"hour": 2, "minute": 43, "second": 32}
